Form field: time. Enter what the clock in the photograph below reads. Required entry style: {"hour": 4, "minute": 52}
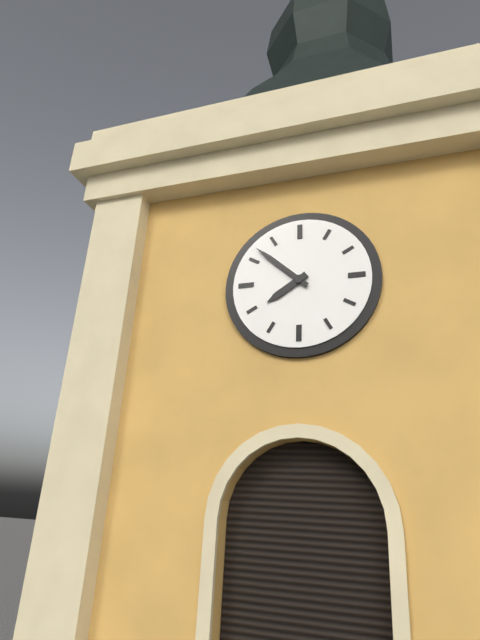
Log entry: {"hour": 7, "minute": 52}
